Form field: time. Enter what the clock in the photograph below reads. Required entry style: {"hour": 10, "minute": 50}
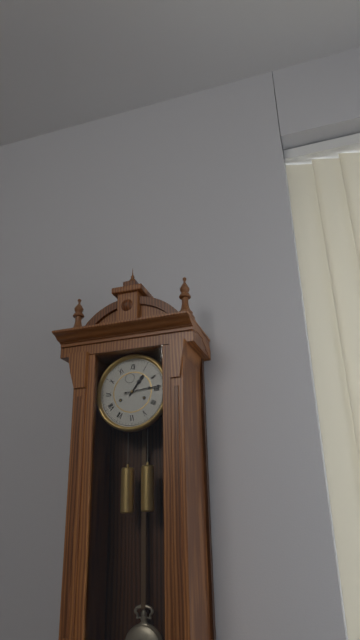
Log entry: {"hour": 1, "minute": 14}
